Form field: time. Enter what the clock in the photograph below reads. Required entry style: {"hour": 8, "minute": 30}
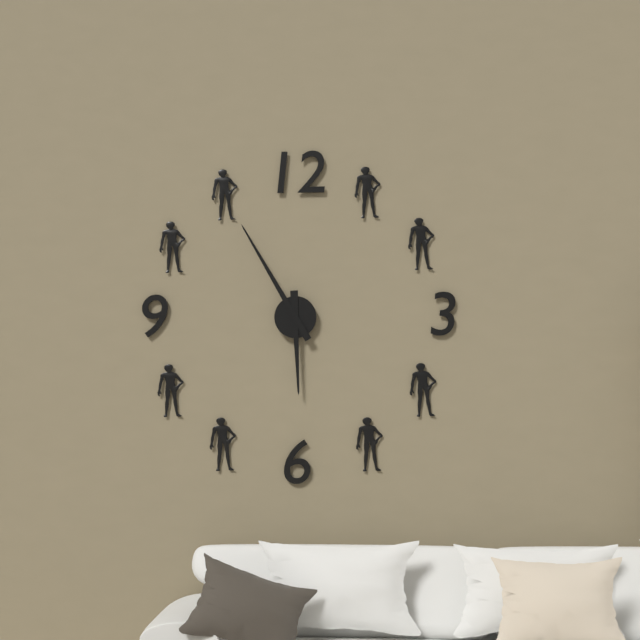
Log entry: {"hour": 5, "minute": 55}
